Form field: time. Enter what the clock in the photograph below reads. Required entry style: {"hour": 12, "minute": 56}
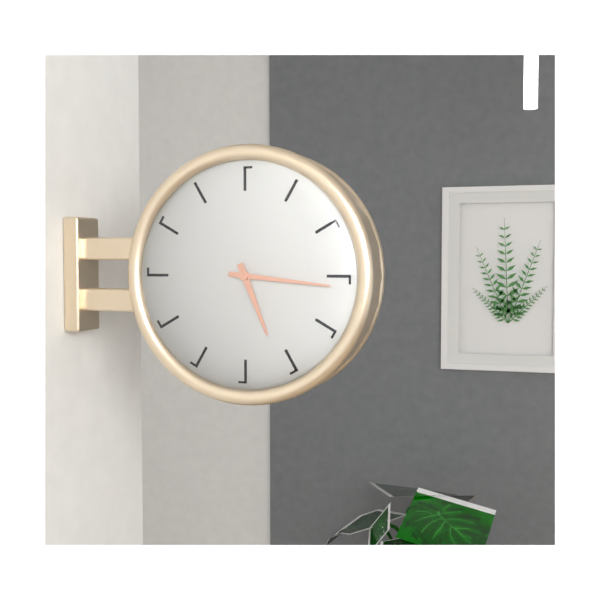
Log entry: {"hour": 5, "minute": 16}
